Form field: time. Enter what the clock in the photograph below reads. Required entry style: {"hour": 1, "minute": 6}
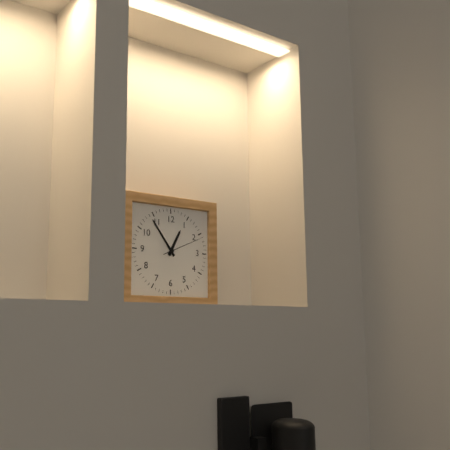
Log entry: {"hour": 12, "minute": 54}
